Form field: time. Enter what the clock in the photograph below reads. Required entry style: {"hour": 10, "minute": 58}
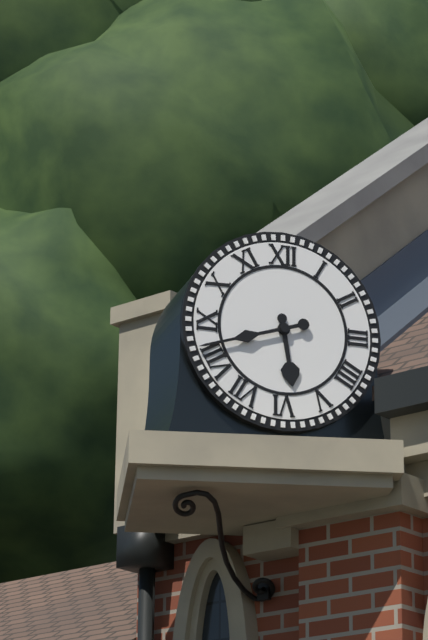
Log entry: {"hour": 5, "minute": 42}
